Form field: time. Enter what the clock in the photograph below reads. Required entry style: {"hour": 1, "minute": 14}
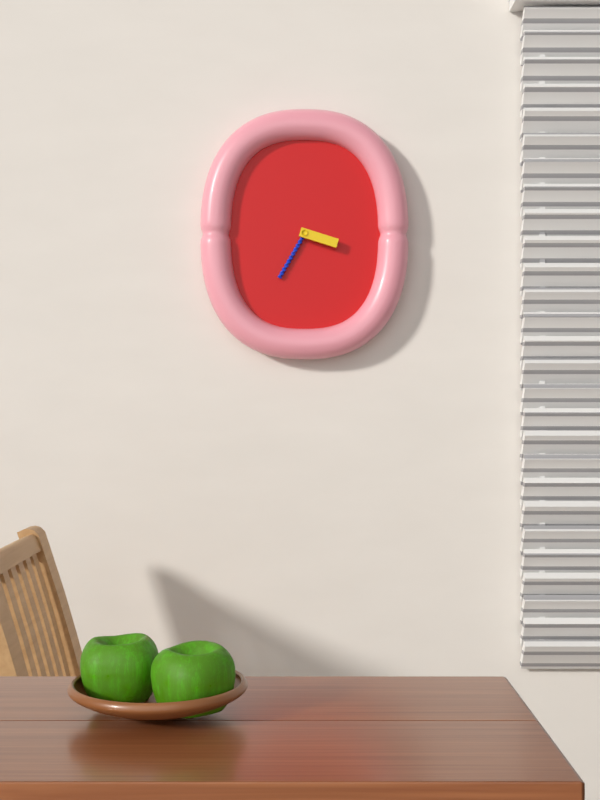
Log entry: {"hour": 3, "minute": 35}
